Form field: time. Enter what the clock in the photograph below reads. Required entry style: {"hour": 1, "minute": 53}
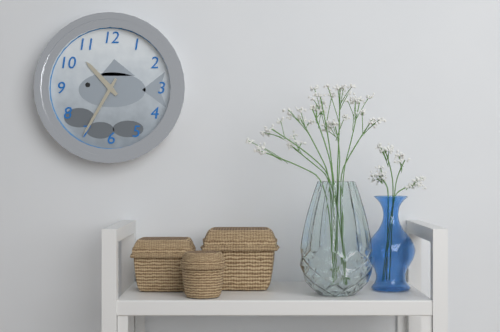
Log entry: {"hour": 10, "minute": 35}
